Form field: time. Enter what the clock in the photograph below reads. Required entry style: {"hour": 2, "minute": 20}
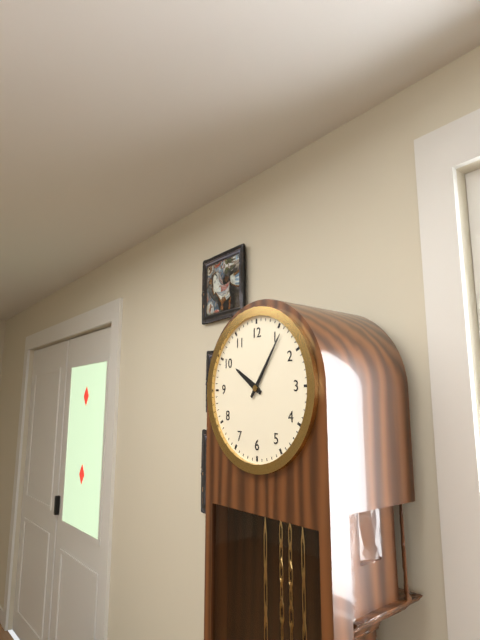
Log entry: {"hour": 10, "minute": 6}
